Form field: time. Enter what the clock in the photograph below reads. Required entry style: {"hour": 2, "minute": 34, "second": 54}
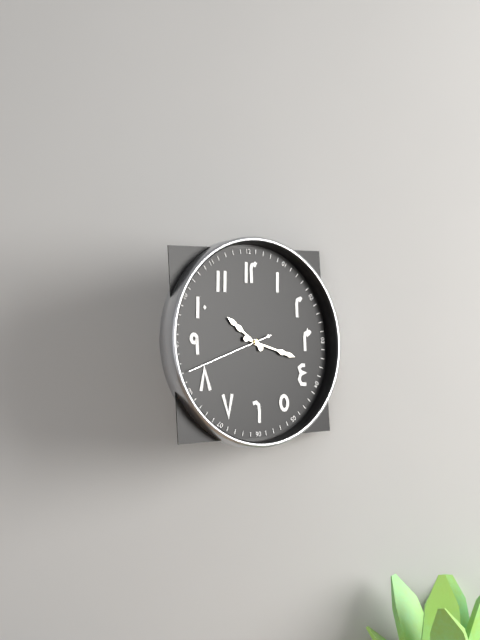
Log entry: {"hour": 10, "minute": 18, "second": 42}
